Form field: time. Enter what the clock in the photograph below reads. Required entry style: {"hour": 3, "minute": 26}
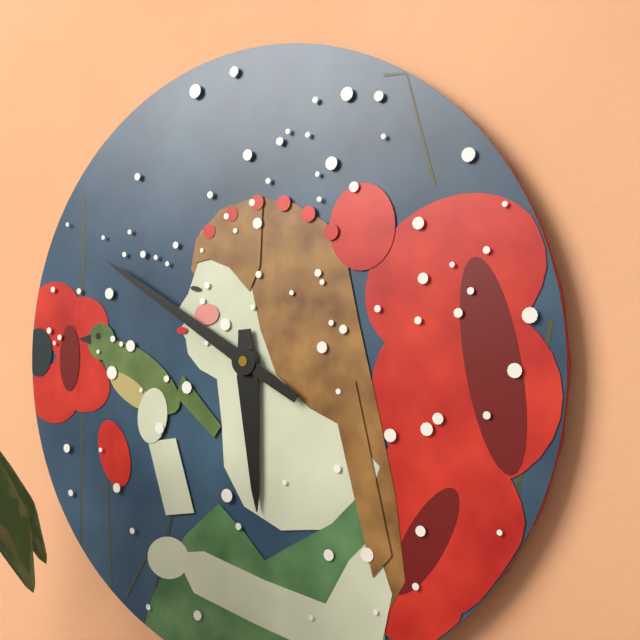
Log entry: {"hour": 5, "minute": 50}
